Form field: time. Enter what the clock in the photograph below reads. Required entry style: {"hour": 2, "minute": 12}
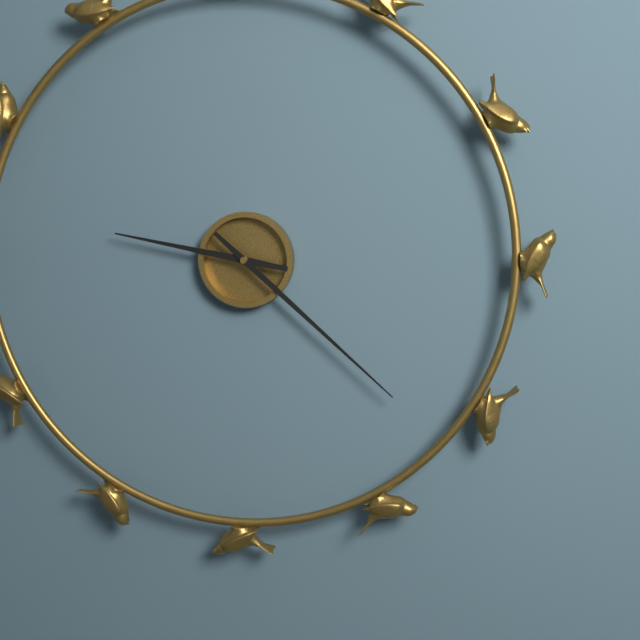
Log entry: {"hour": 9, "minute": 22}
